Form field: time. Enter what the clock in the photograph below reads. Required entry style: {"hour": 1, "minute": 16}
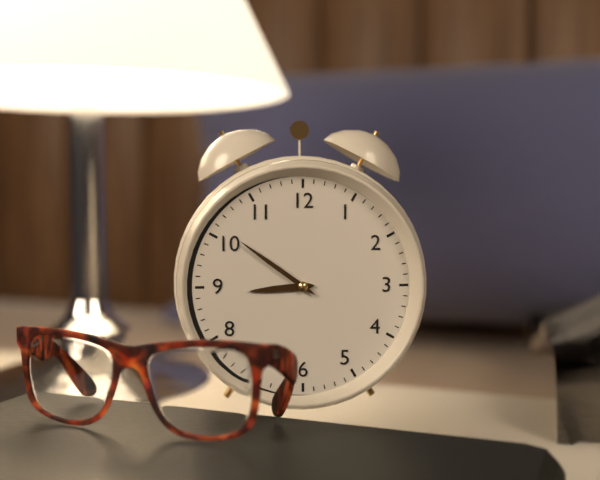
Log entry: {"hour": 8, "minute": 51}
